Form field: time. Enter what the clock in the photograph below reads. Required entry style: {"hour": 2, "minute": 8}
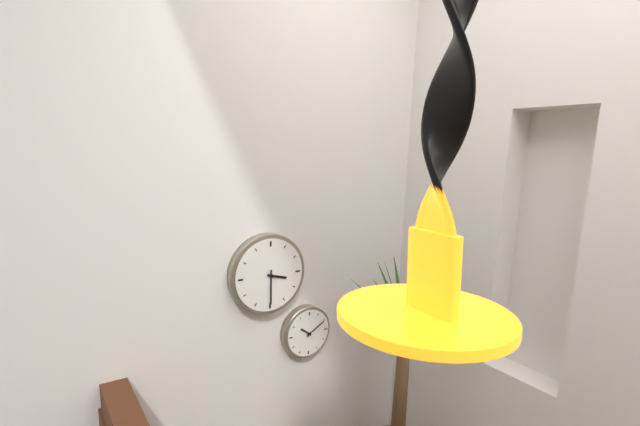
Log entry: {"hour": 3, "minute": 30}
